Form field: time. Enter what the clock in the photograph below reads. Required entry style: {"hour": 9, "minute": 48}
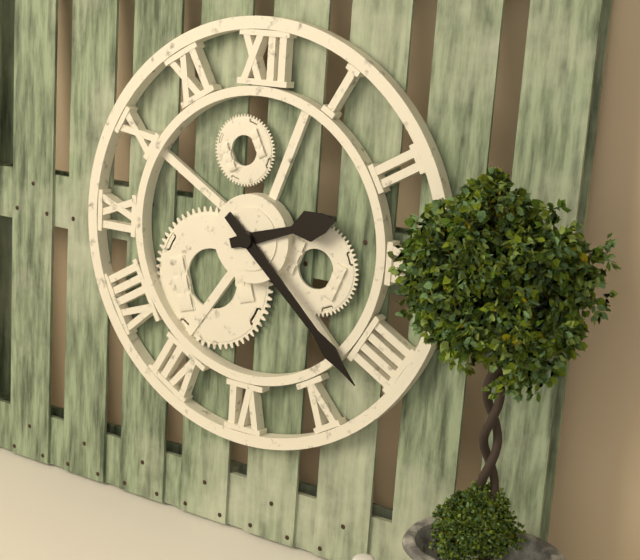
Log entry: {"hour": 2, "minute": 22}
